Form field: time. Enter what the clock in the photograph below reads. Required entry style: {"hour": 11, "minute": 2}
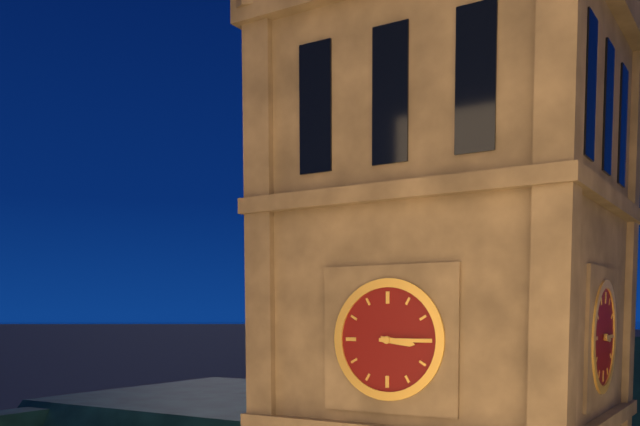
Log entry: {"hour": 3, "minute": 15}
